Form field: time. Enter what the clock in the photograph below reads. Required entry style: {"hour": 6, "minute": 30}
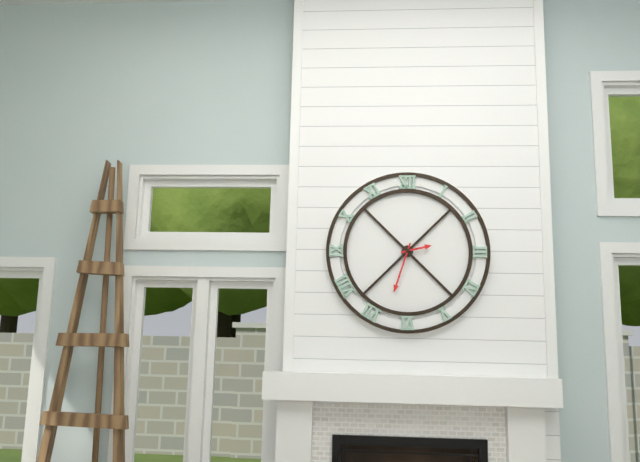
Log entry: {"hour": 2, "minute": 33}
